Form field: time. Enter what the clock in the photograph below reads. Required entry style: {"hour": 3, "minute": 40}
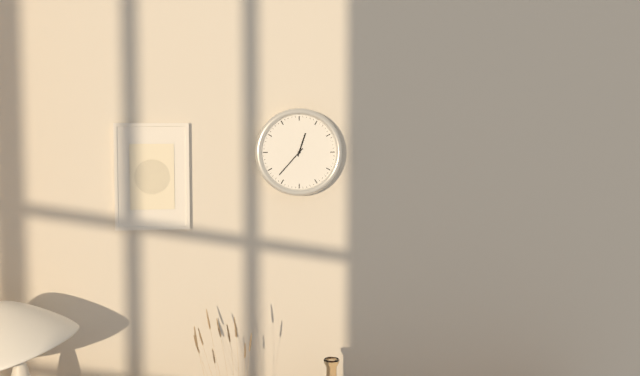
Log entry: {"hour": 12, "minute": 37}
